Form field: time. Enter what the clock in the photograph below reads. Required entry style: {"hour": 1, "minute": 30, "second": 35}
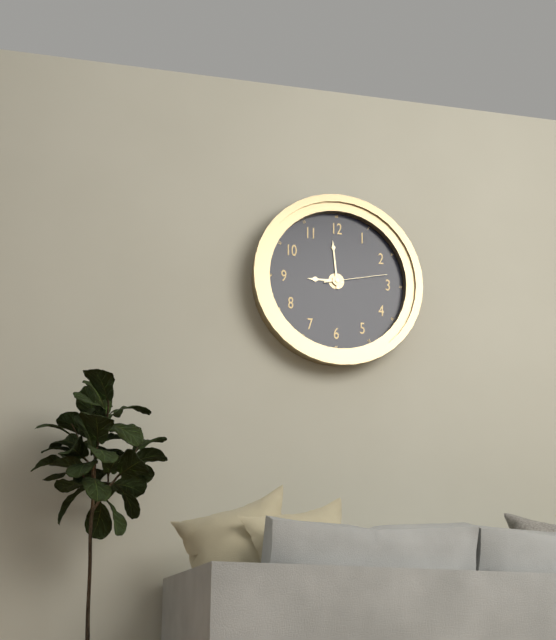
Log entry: {"hour": 8, "minute": 59, "second": 13}
